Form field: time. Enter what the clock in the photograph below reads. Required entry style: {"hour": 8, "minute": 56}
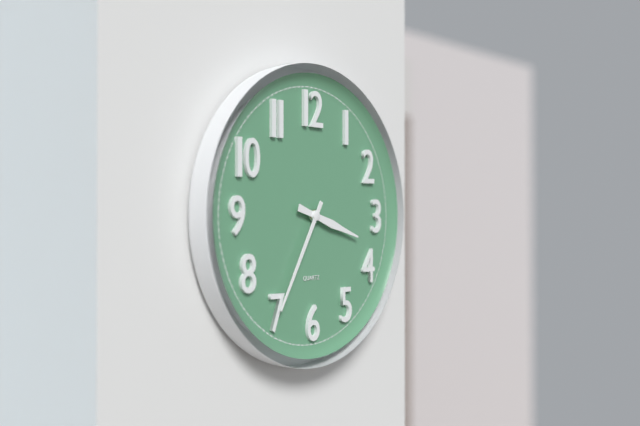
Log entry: {"hour": 3, "minute": 35}
